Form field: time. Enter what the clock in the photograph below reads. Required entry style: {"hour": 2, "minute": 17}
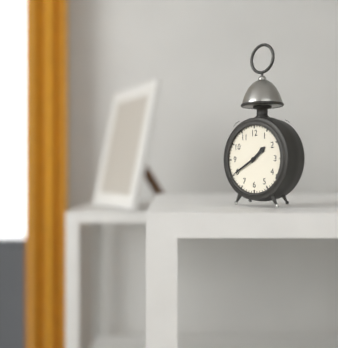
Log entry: {"hour": 1, "minute": 40}
